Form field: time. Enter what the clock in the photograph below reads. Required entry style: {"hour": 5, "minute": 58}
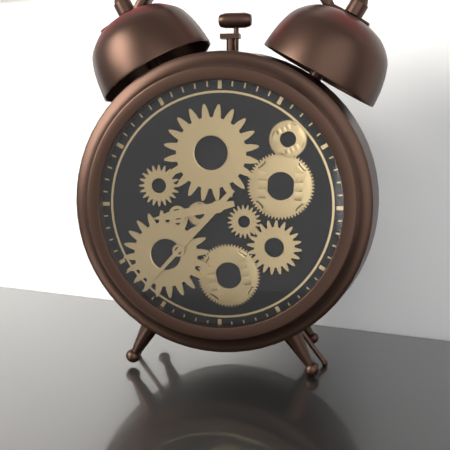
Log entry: {"hour": 8, "minute": 37}
